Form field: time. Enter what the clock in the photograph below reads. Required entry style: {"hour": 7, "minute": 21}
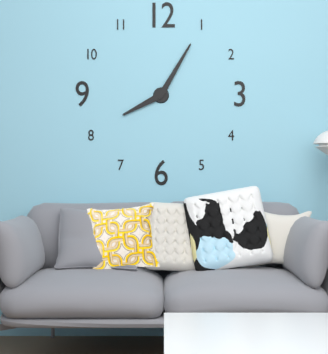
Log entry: {"hour": 8, "minute": 5}
